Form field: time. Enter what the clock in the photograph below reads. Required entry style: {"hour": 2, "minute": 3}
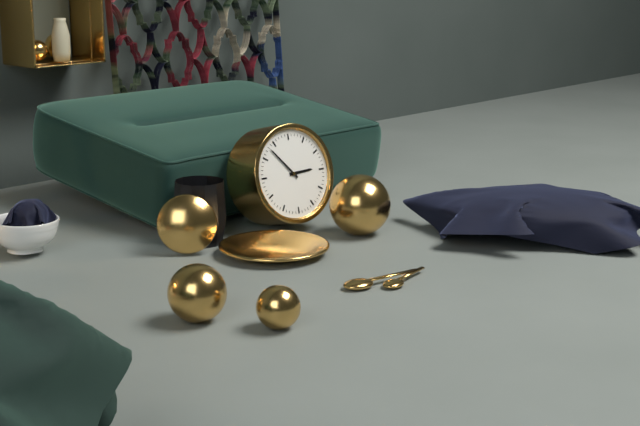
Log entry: {"hour": 2, "minute": 53}
